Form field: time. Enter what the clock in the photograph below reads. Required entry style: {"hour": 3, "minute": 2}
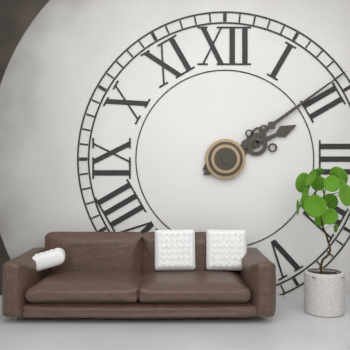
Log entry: {"hour": 2, "minute": 9}
